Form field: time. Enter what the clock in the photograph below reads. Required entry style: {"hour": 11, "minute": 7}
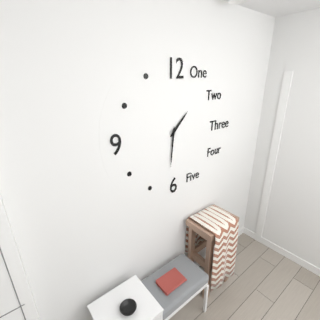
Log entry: {"hour": 1, "minute": 31}
